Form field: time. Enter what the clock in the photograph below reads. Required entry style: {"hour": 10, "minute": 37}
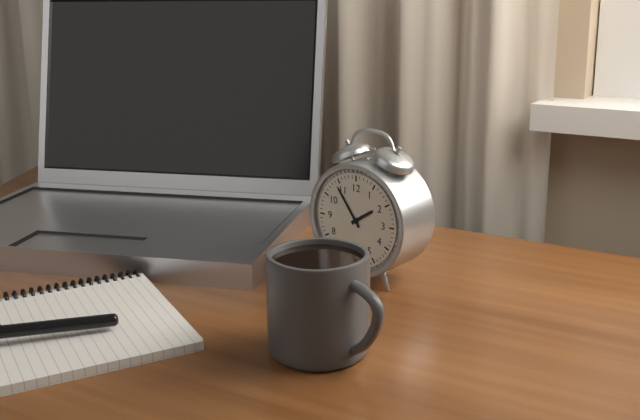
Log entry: {"hour": 1, "minute": 54}
